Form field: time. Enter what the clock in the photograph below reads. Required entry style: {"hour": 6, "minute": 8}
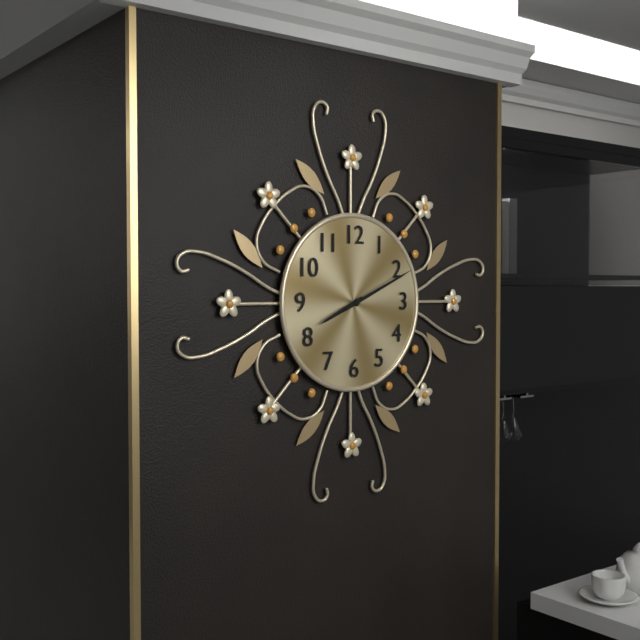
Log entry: {"hour": 8, "minute": 11}
